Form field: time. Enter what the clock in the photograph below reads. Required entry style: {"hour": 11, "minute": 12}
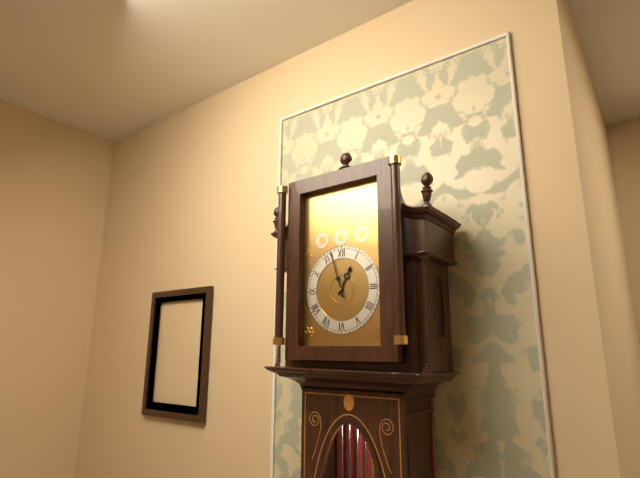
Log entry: {"hour": 12, "minute": 57}
